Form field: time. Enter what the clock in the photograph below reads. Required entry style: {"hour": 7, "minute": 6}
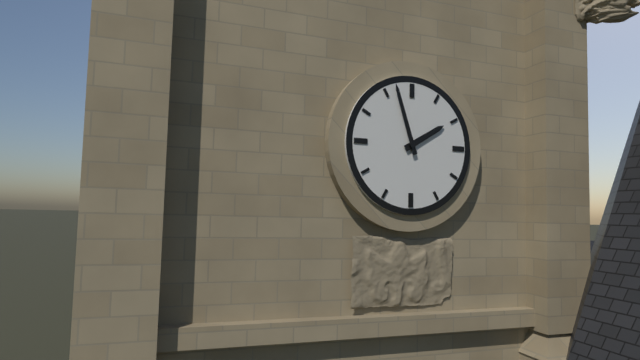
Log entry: {"hour": 1, "minute": 57}
